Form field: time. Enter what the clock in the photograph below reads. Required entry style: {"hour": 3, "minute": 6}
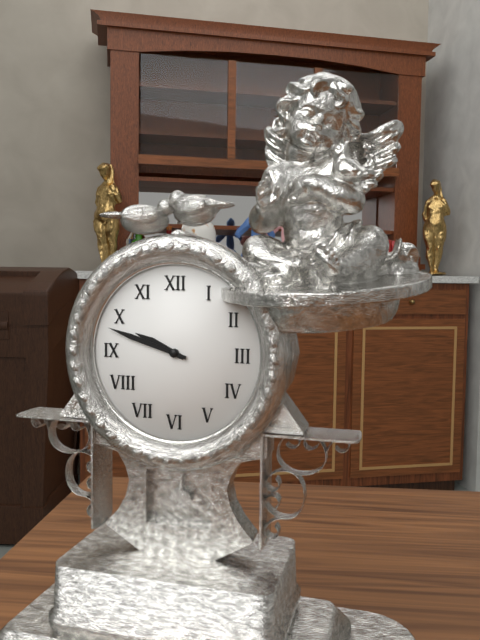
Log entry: {"hour": 9, "minute": 48}
